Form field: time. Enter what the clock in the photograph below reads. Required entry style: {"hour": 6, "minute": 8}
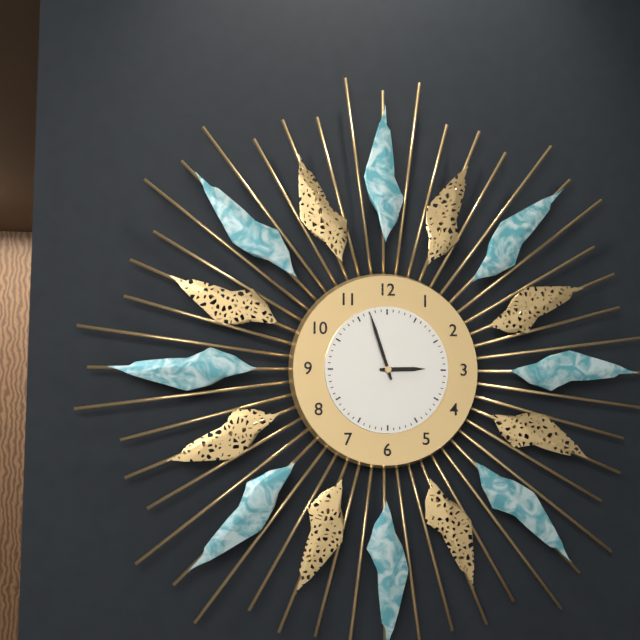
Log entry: {"hour": 2, "minute": 57}
